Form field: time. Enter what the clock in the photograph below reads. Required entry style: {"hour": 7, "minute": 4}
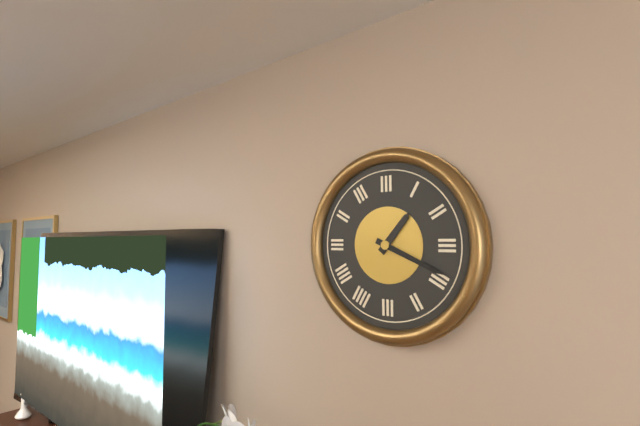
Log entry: {"hour": 1, "minute": 19}
